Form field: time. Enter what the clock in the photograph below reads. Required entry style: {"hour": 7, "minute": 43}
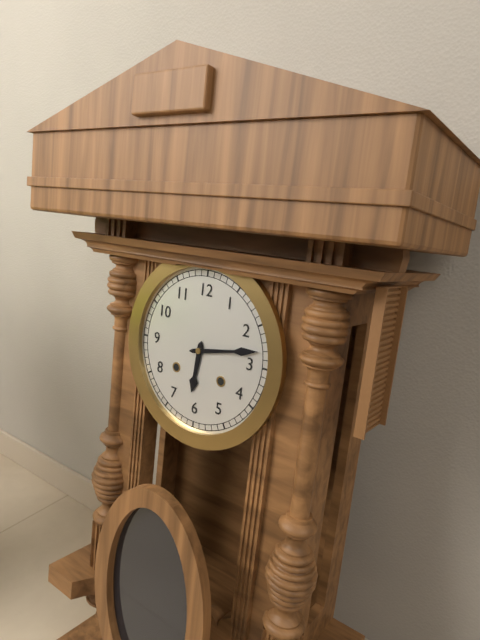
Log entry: {"hour": 6, "minute": 13}
